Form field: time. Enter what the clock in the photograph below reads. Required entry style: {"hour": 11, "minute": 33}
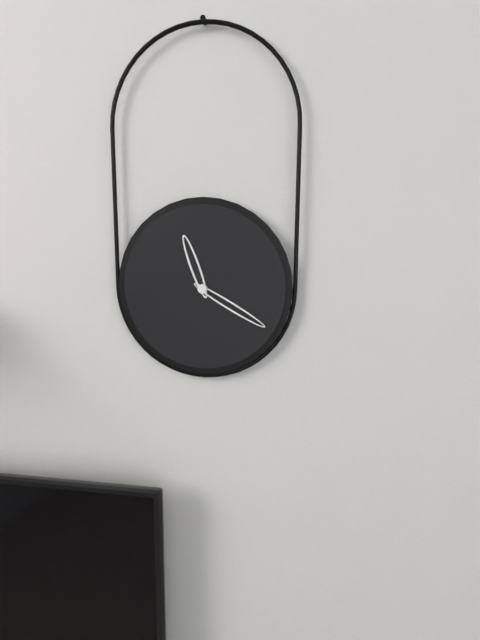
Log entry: {"hour": 11, "minute": 20}
